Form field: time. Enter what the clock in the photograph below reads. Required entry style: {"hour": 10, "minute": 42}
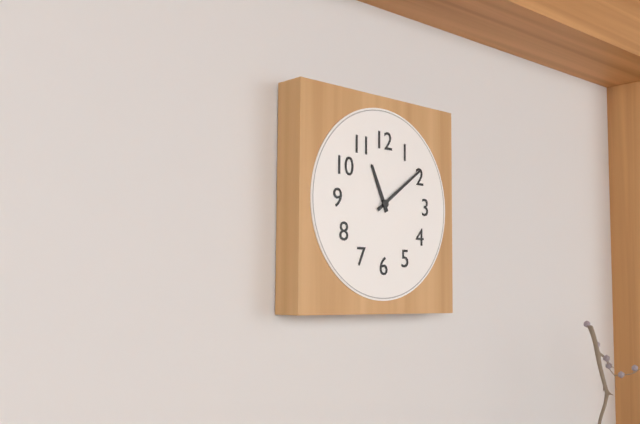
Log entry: {"hour": 11, "minute": 9}
